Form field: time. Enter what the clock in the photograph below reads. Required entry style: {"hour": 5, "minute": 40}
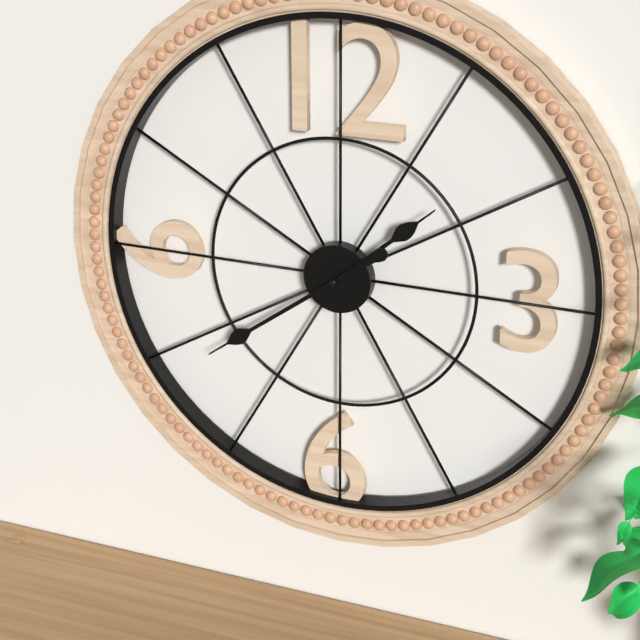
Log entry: {"hour": 1, "minute": 39}
